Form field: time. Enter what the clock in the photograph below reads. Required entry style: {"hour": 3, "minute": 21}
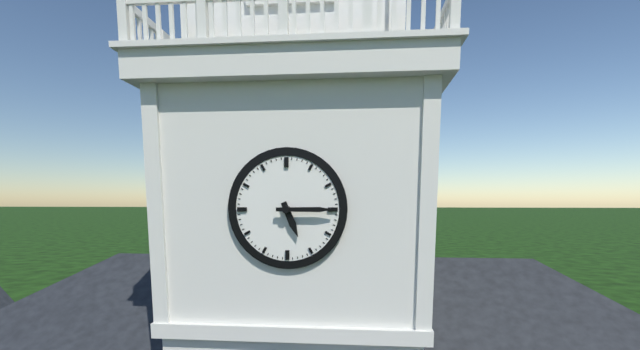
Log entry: {"hour": 5, "minute": 15}
